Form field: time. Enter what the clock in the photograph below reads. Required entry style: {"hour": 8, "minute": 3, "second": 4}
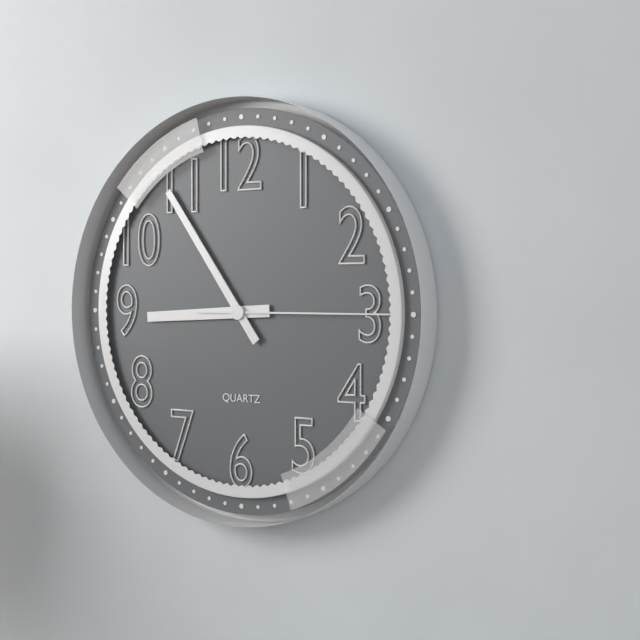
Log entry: {"hour": 8, "minute": 54, "second": 15}
